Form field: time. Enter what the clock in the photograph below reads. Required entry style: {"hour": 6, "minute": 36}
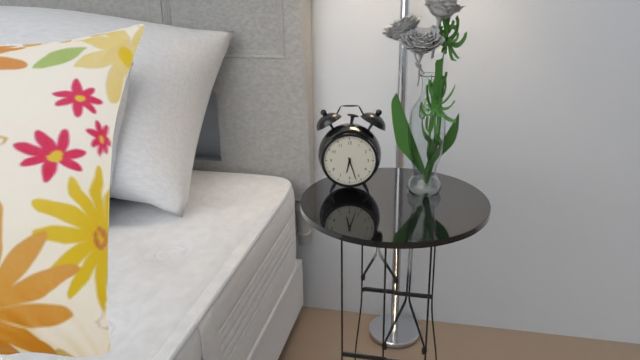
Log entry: {"hour": 6, "minute": 27}
